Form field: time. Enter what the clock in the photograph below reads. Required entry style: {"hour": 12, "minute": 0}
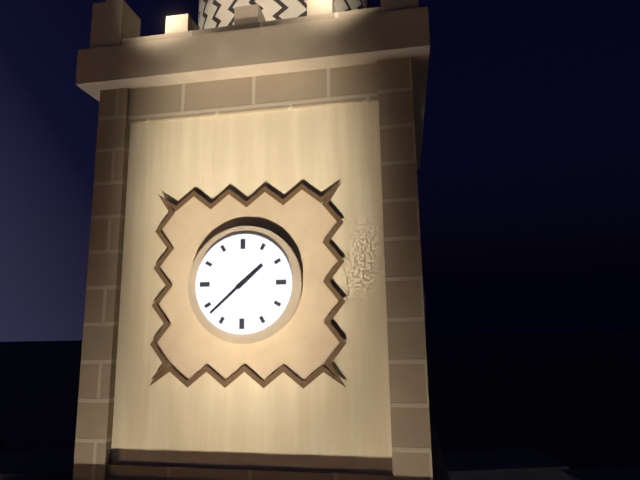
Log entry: {"hour": 1, "minute": 38}
